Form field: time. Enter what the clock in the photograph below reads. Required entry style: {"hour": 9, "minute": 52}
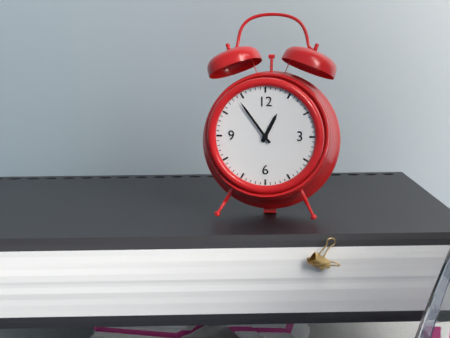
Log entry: {"hour": 12, "minute": 54}
